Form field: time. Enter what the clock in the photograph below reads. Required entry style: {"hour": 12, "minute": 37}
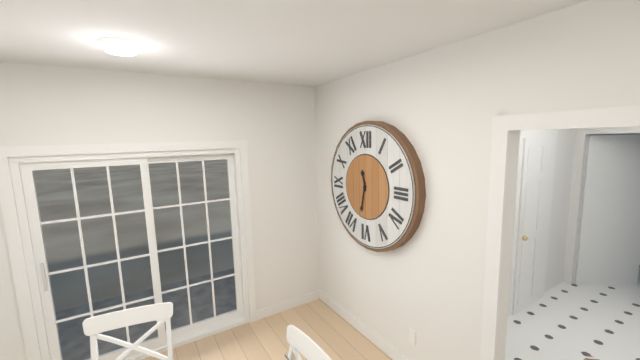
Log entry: {"hour": 11, "minute": 32}
